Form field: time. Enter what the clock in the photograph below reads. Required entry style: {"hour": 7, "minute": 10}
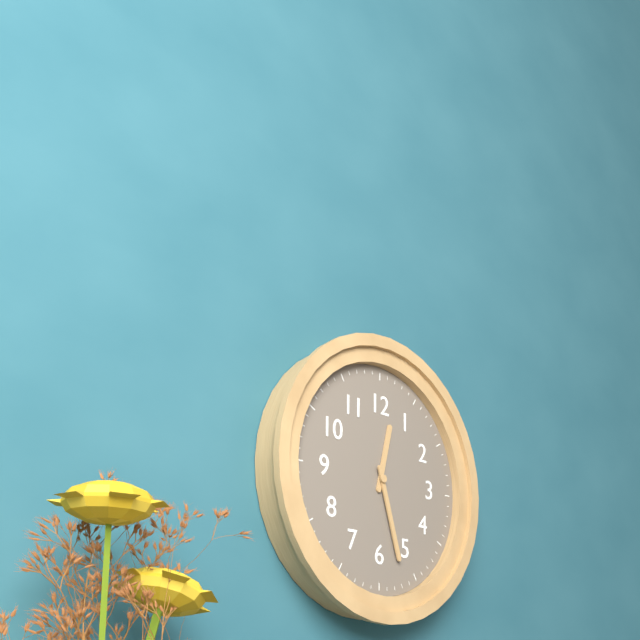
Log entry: {"hour": 12, "minute": 27}
